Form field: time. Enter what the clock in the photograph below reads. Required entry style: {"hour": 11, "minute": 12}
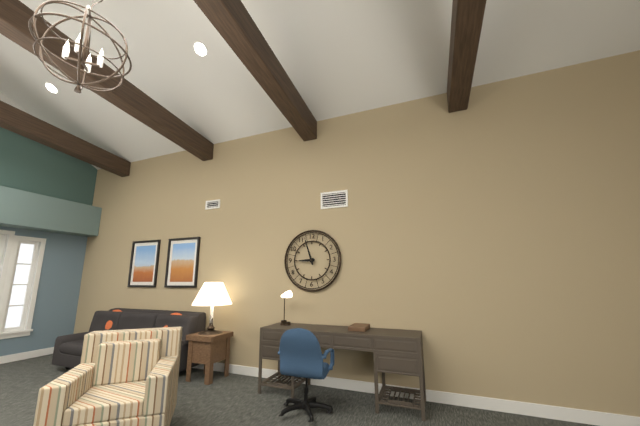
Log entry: {"hour": 8, "minute": 57}
